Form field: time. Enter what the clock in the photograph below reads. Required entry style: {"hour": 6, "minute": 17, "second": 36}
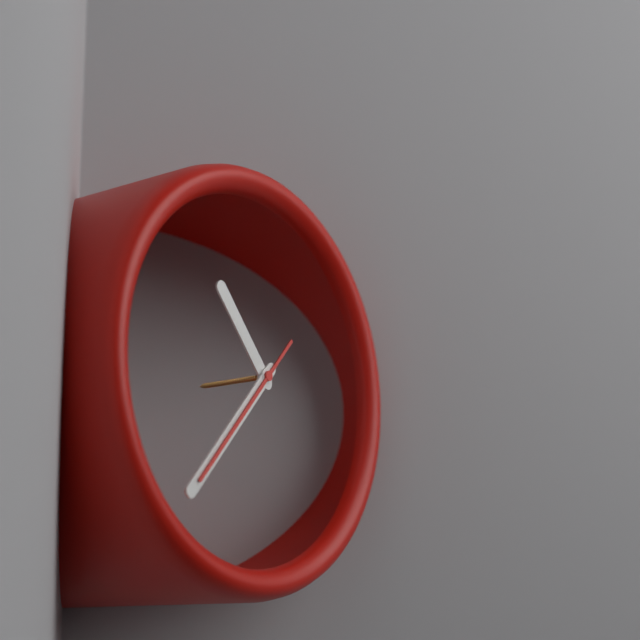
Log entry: {"hour": 10, "minute": 37, "second": 37}
